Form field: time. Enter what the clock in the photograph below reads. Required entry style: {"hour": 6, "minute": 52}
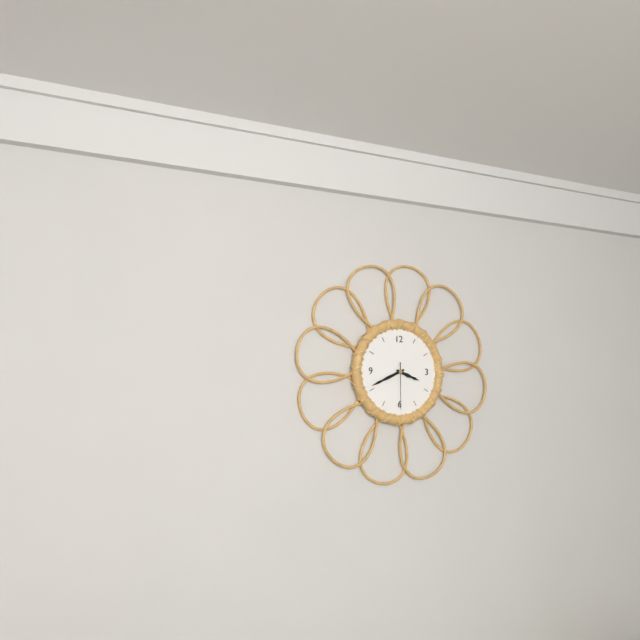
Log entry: {"hour": 3, "minute": 41}
